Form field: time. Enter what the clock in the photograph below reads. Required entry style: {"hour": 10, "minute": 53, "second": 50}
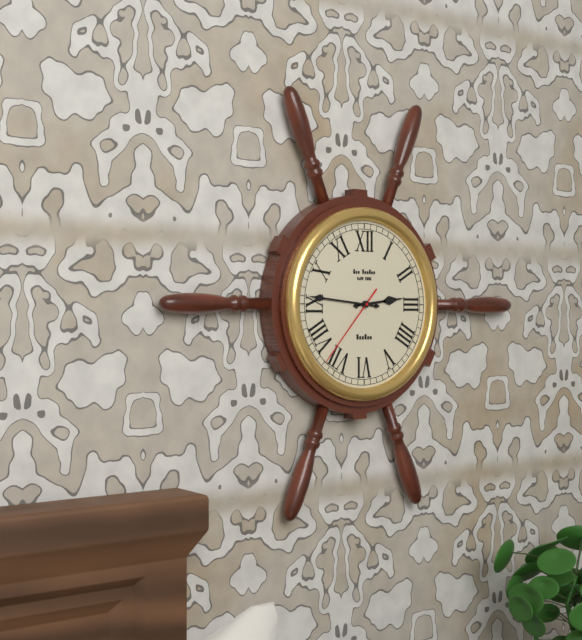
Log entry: {"hour": 2, "minute": 46, "second": 37}
